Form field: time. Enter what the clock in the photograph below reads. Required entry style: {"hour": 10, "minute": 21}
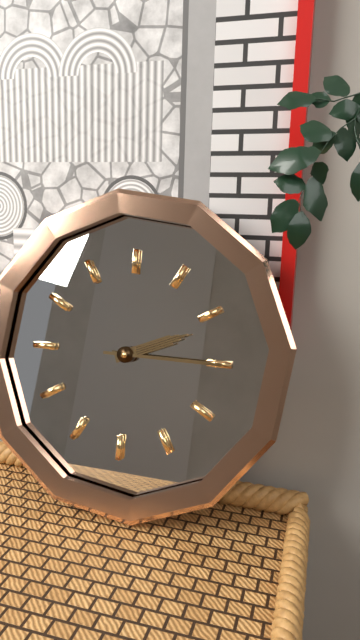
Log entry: {"hour": 2, "minute": 15}
